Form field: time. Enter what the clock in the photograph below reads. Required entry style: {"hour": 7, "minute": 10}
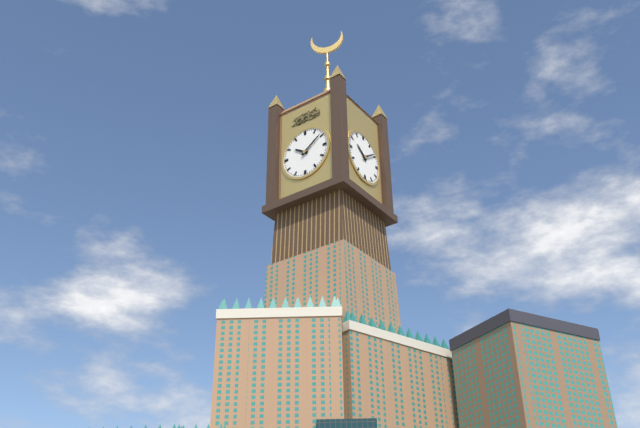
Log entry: {"hour": 10, "minute": 9}
